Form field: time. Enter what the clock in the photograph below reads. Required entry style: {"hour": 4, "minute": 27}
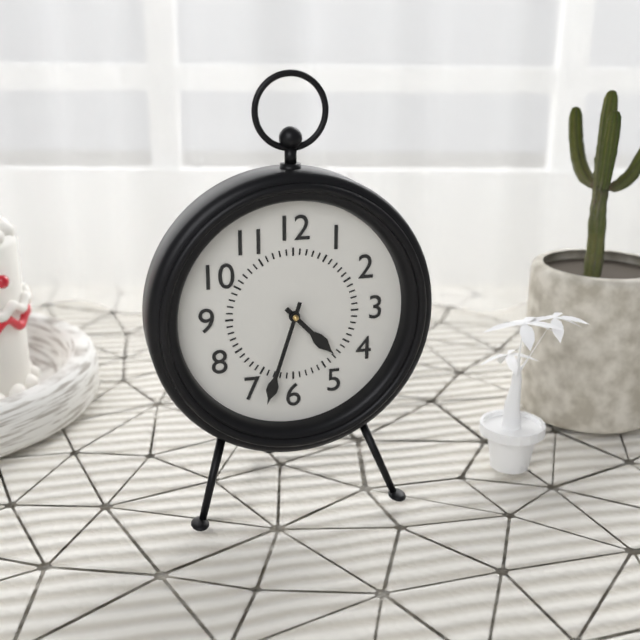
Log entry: {"hour": 4, "minute": 33}
